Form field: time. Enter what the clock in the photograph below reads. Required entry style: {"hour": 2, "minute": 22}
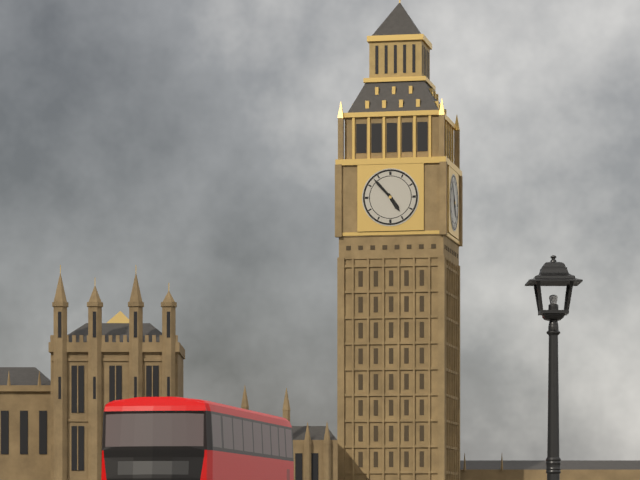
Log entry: {"hour": 4, "minute": 53}
